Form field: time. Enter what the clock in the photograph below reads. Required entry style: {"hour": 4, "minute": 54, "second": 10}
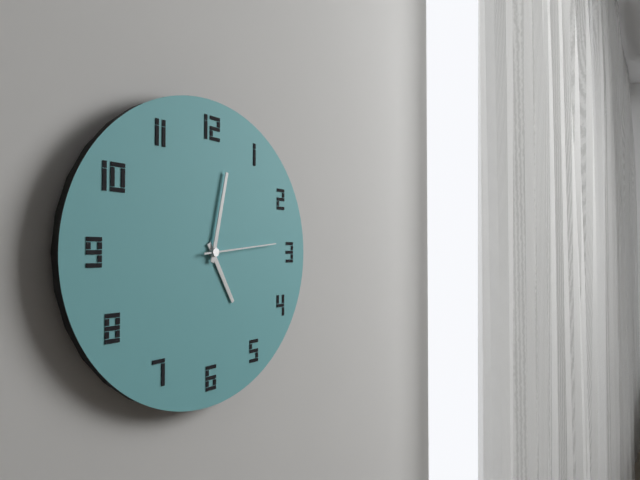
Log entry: {"hour": 5, "minute": 2, "second": 14}
